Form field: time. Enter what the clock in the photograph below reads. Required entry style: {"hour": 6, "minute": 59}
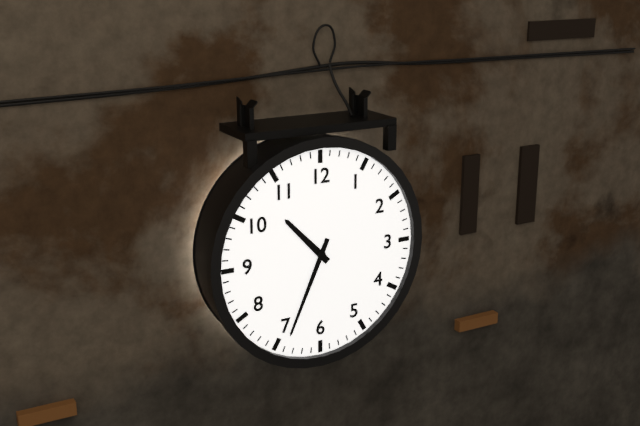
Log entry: {"hour": 10, "minute": 34}
